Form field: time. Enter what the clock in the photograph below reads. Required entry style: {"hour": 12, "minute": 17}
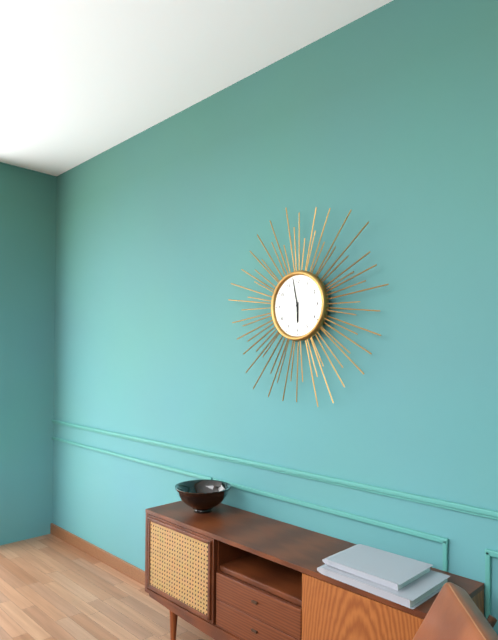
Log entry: {"hour": 5, "minute": 58}
